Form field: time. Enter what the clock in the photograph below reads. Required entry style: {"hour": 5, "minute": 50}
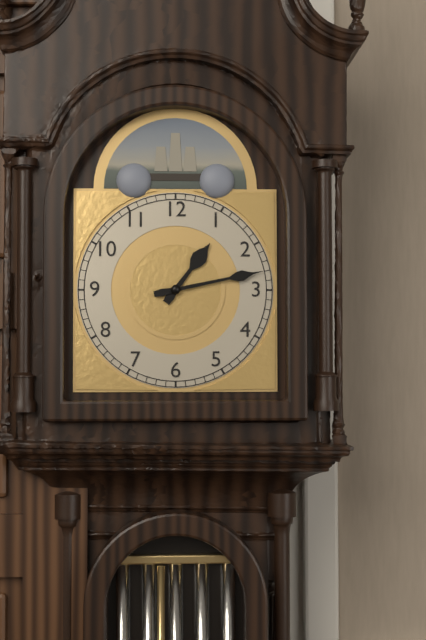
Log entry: {"hour": 1, "minute": 13}
